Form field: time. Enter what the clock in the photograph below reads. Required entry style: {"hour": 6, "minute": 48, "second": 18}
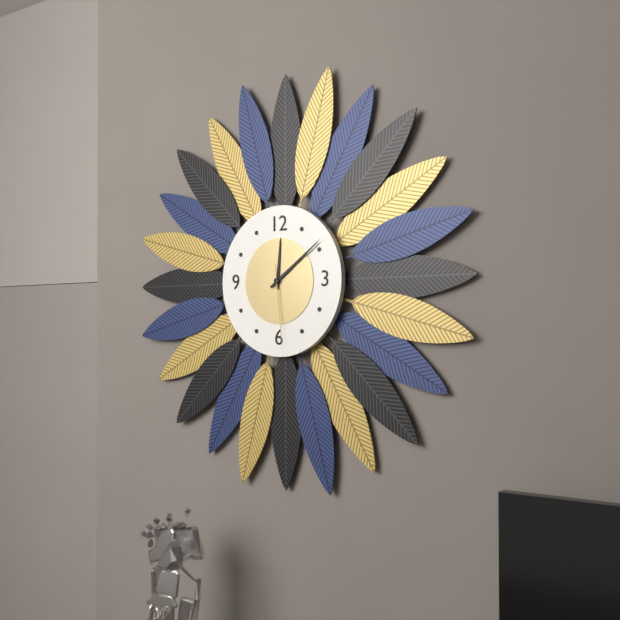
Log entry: {"hour": 12, "minute": 9, "second": 29}
